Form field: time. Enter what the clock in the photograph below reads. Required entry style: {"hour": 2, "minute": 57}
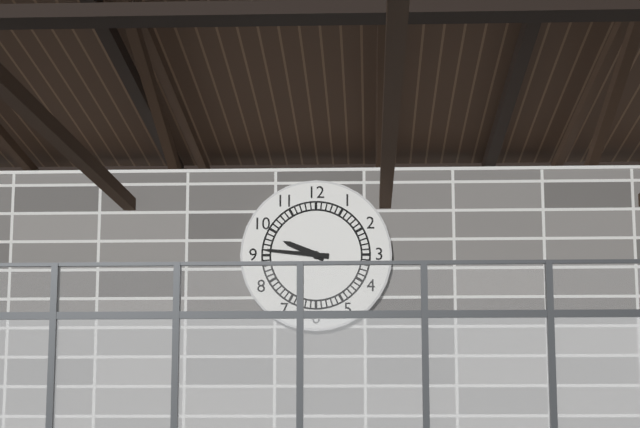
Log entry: {"hour": 9, "minute": 46}
